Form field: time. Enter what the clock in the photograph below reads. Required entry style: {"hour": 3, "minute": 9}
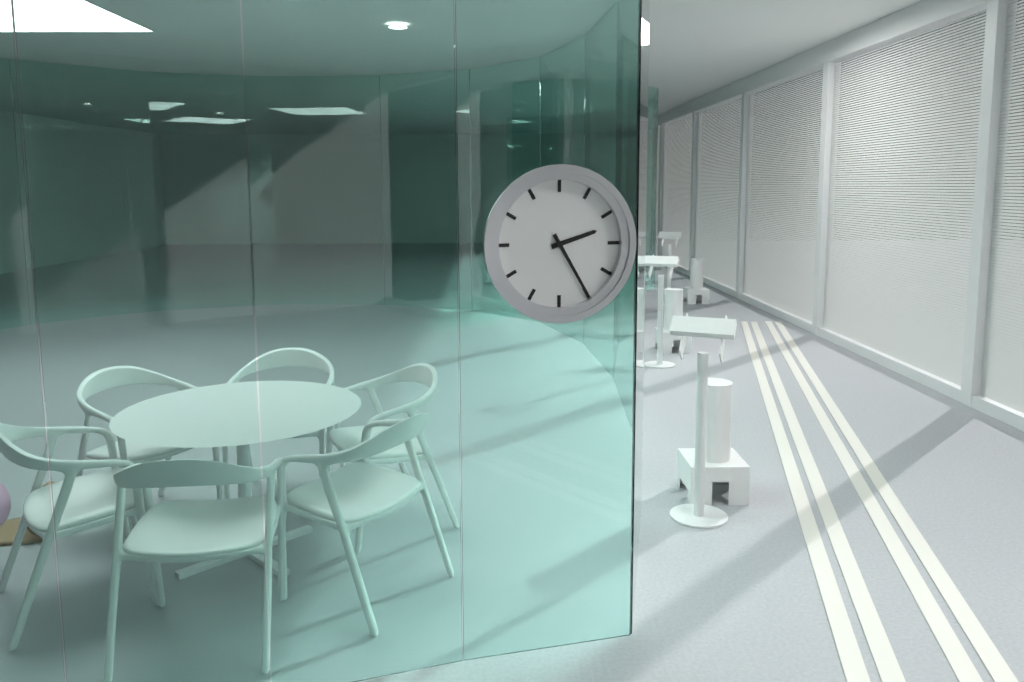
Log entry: {"hour": 2, "minute": 25}
